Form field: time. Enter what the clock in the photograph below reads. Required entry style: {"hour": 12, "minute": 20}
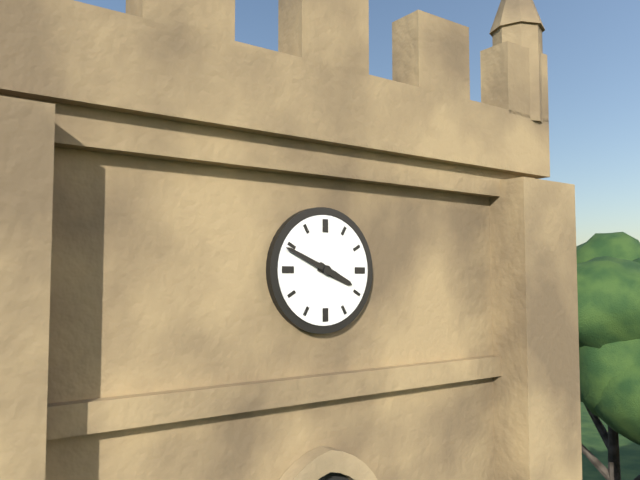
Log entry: {"hour": 3, "minute": 49}
